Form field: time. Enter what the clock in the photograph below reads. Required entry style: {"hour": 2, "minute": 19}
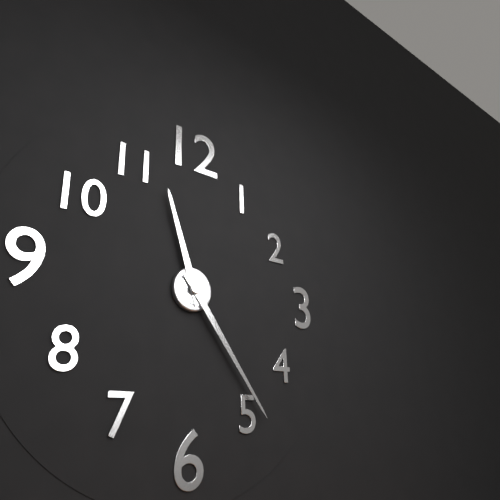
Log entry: {"hour": 11, "minute": 24}
